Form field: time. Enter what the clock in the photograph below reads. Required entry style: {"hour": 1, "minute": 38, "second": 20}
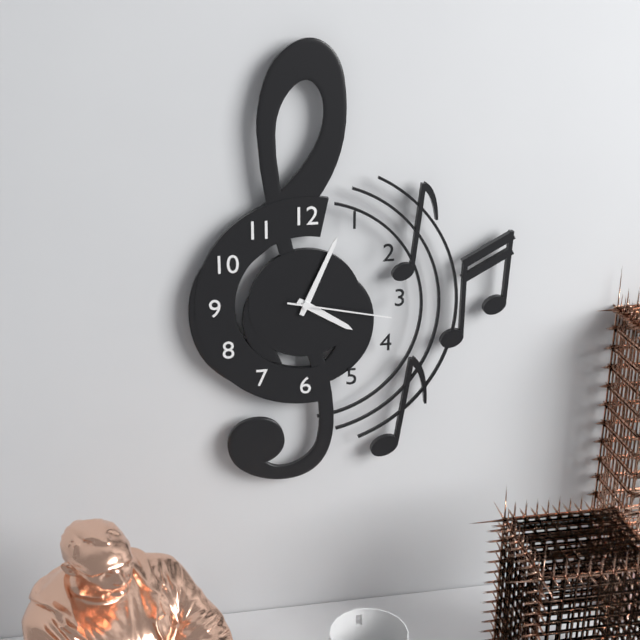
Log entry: {"hour": 4, "minute": 4, "second": 17}
